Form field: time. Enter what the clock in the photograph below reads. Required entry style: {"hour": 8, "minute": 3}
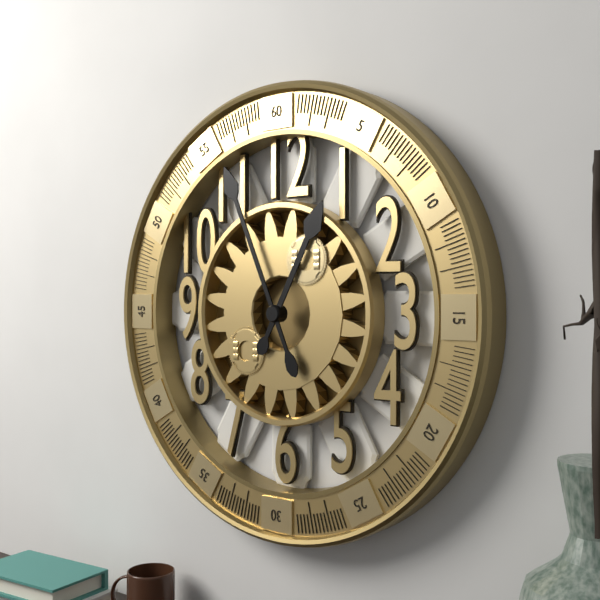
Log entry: {"hour": 12, "minute": 56}
